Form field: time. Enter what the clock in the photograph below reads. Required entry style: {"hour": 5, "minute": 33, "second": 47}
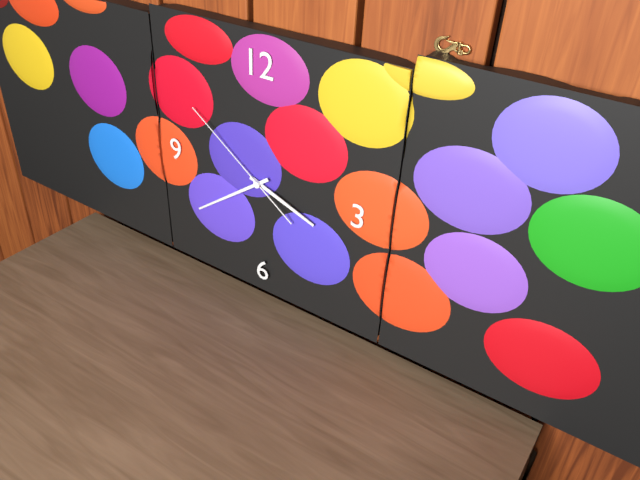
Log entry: {"hour": 3, "minute": 39, "second": 51}
